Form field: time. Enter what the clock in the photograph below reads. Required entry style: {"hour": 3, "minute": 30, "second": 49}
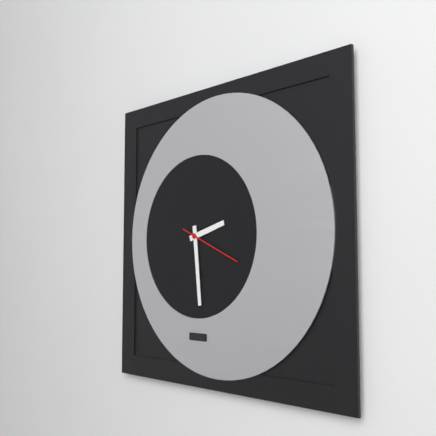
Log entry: {"hour": 2, "minute": 29, "second": 19}
